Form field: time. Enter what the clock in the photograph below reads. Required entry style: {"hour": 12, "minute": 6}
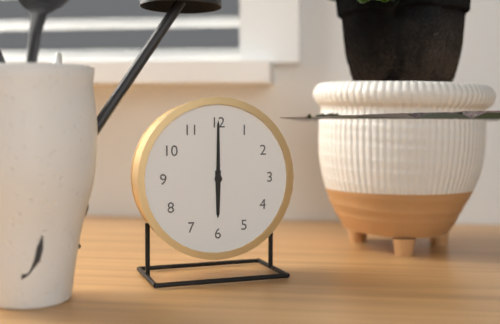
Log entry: {"hour": 6, "minute": 0}
